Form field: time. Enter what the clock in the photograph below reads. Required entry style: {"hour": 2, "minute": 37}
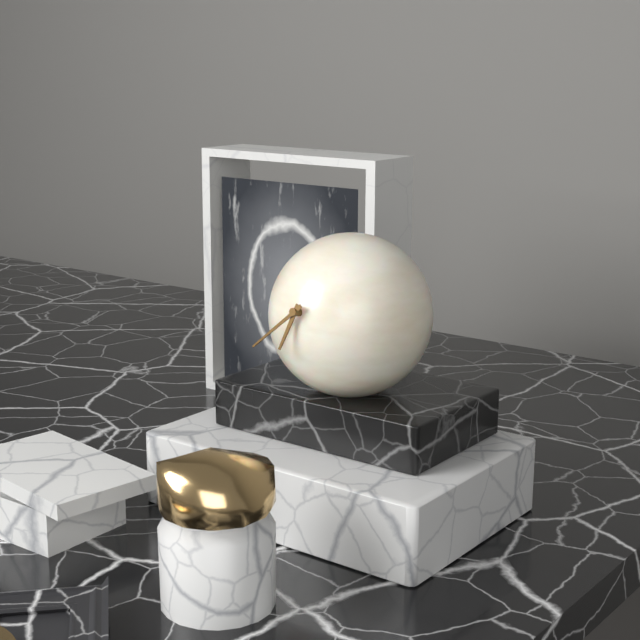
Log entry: {"hour": 6, "minute": 38}
